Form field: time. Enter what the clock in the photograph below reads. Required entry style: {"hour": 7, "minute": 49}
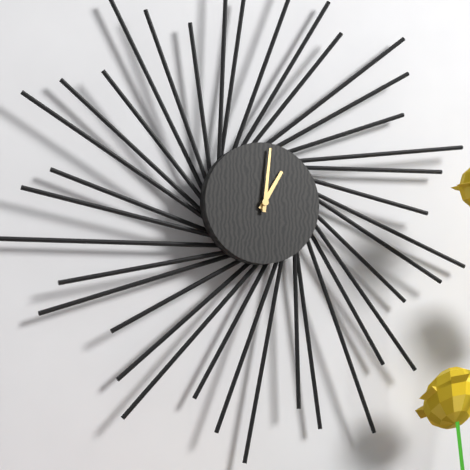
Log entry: {"hour": 1, "minute": 1}
